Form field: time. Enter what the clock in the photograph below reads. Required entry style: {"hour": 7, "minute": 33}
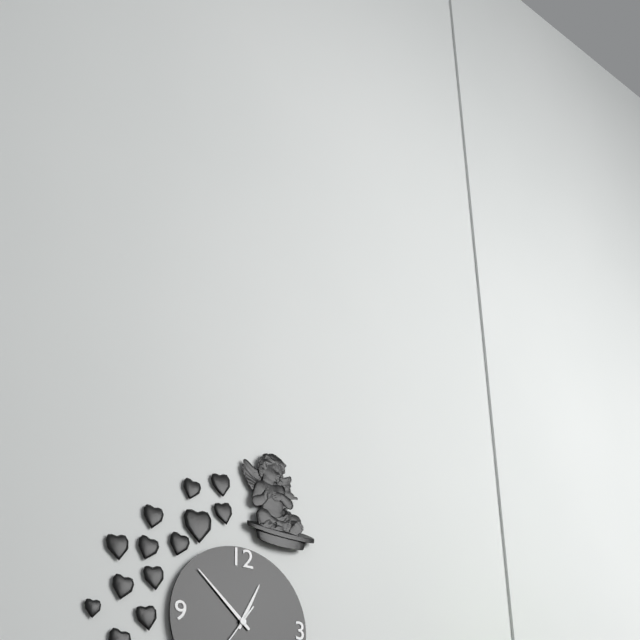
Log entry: {"hour": 12, "minute": 52}
